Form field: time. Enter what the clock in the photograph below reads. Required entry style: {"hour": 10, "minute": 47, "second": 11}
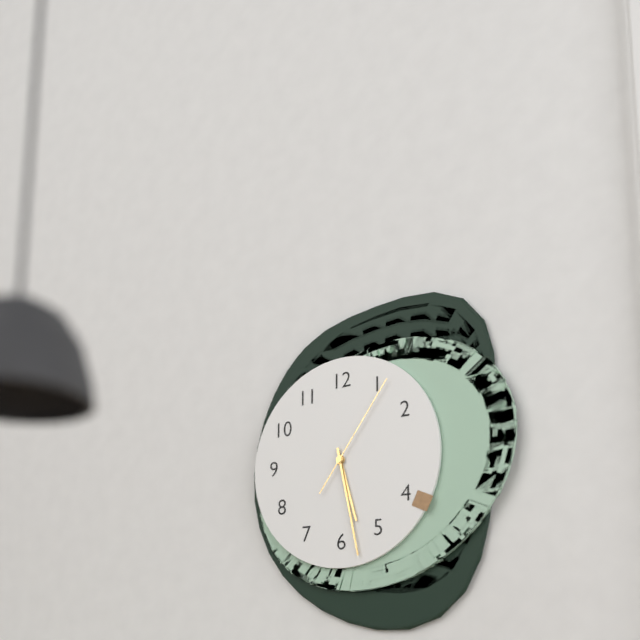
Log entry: {"hour": 5, "minute": 28, "second": 6}
